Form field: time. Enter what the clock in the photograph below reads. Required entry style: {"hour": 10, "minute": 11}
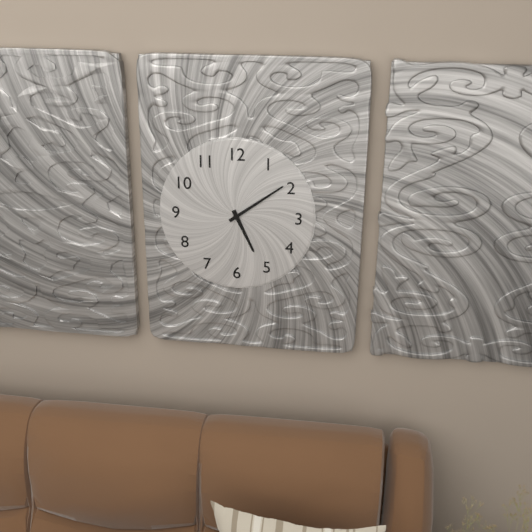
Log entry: {"hour": 5, "minute": 9}
